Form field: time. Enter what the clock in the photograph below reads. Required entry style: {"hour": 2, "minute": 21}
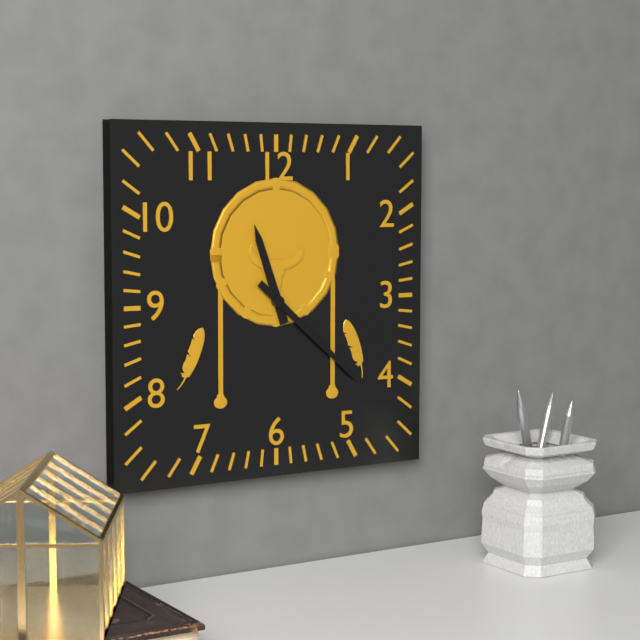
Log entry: {"hour": 11, "minute": 22}
